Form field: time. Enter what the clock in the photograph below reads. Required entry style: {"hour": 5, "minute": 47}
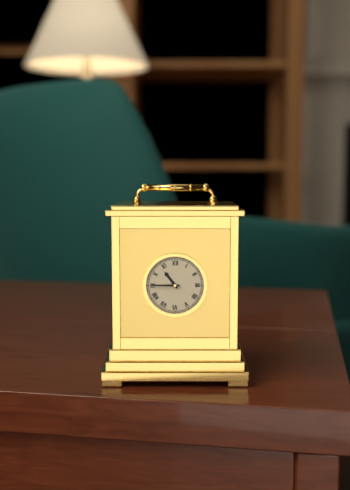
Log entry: {"hour": 10, "minute": 45}
